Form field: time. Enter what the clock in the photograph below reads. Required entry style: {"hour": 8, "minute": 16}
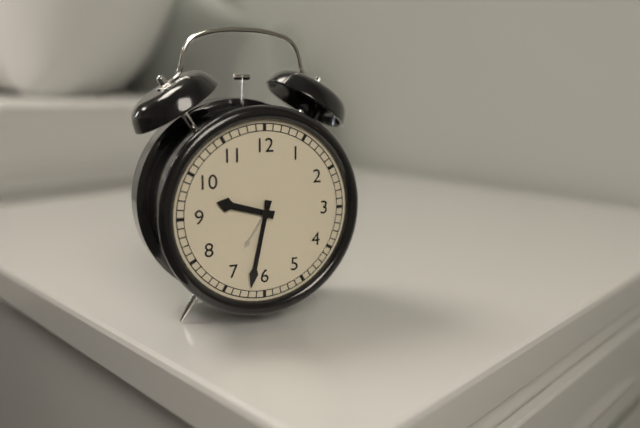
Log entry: {"hour": 9, "minute": 32}
